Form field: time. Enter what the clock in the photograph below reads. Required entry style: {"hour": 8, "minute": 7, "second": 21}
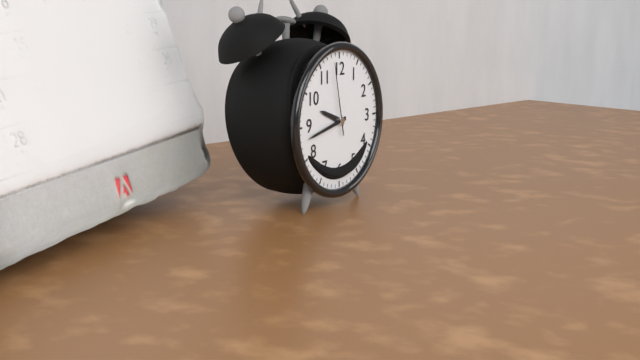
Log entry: {"hour": 9, "minute": 43, "second": 58}
